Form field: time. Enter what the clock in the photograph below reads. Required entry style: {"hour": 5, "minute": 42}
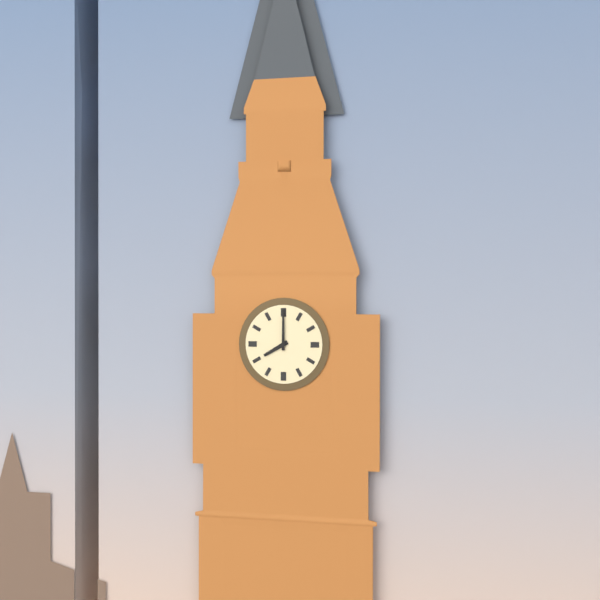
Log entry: {"hour": 8, "minute": 0}
